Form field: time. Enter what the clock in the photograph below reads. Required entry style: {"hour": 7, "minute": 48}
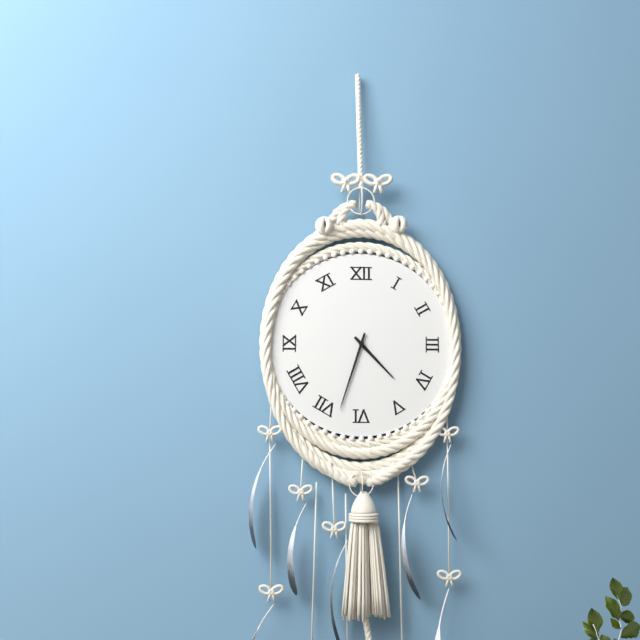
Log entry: {"hour": 4, "minute": 33}
